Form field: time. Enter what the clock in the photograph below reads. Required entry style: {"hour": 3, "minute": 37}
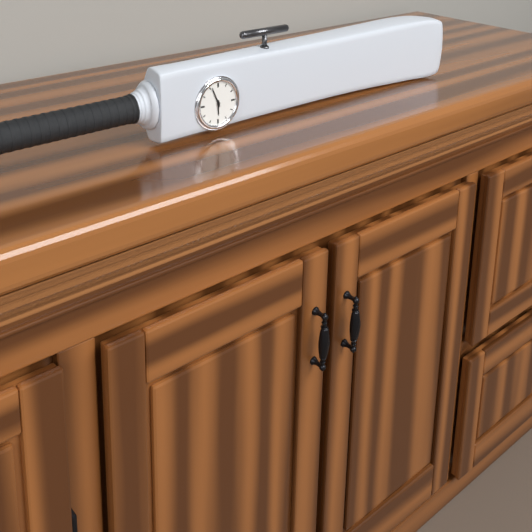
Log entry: {"hour": 5, "minute": 56}
